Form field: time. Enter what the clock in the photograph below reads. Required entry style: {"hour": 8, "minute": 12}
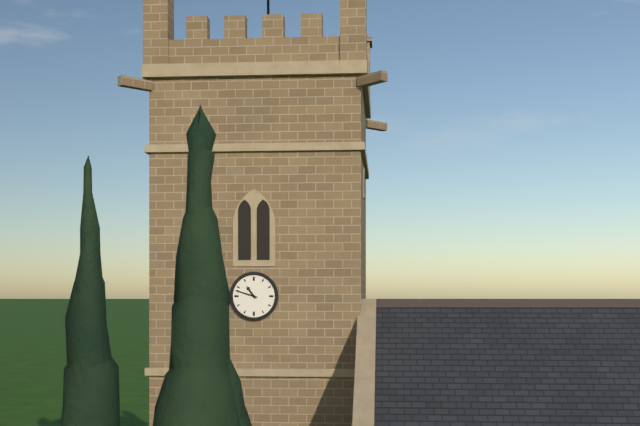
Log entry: {"hour": 10, "minute": 48}
